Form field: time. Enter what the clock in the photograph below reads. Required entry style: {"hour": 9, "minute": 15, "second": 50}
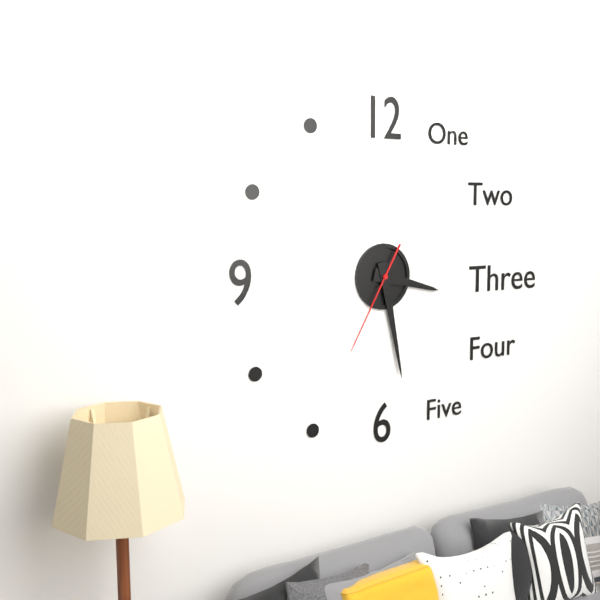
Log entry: {"hour": 3, "minute": 28, "second": 35}
